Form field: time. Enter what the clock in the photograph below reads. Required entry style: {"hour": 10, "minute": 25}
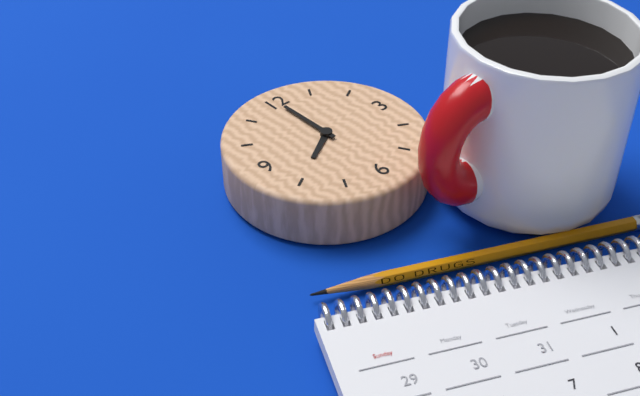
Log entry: {"hour": 8, "minute": 0}
